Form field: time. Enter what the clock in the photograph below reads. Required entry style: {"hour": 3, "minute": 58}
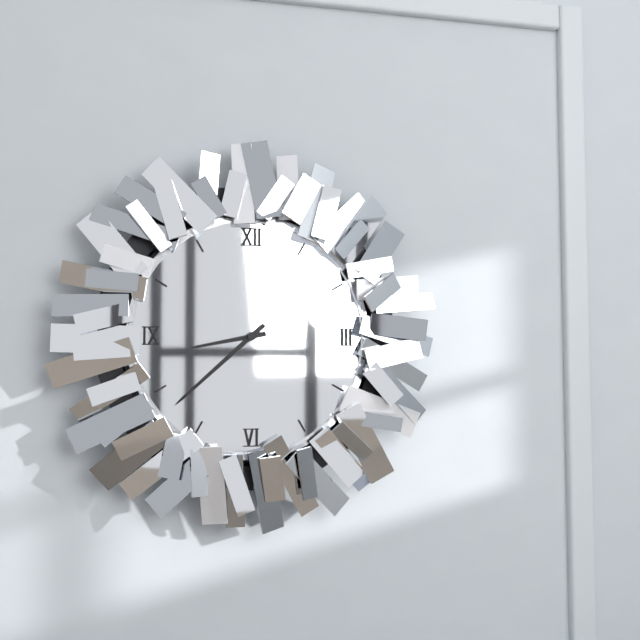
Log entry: {"hour": 8, "minute": 38}
